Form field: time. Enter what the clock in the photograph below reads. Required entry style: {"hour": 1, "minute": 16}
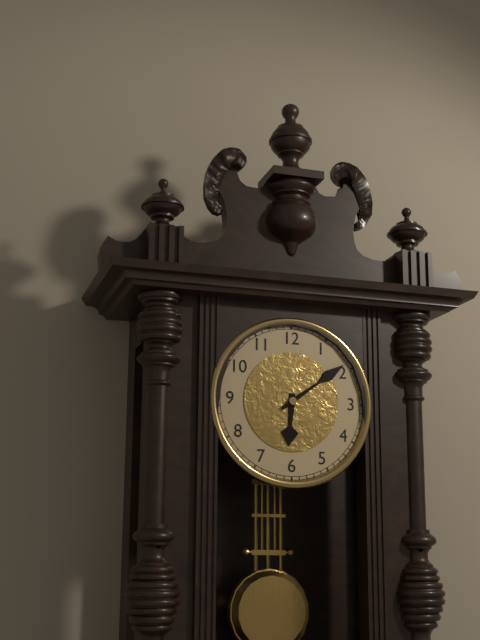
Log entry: {"hour": 6, "minute": 9}
